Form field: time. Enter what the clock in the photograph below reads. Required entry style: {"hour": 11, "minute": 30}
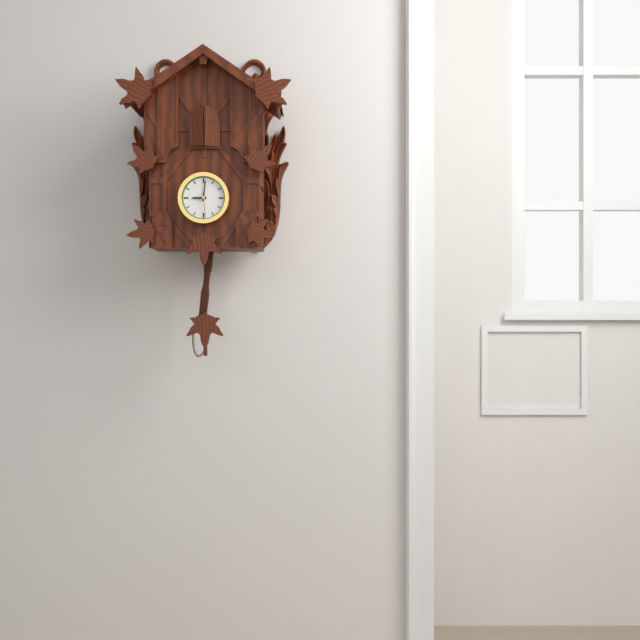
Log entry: {"hour": 9, "minute": 1}
